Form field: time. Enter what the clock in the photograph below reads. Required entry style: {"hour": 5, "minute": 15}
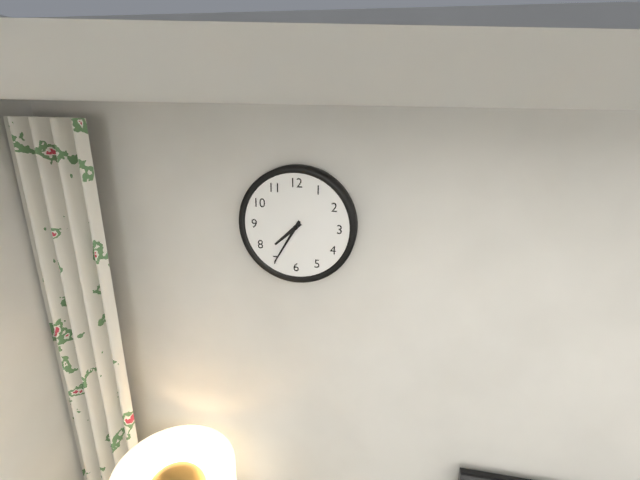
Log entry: {"hour": 7, "minute": 35}
